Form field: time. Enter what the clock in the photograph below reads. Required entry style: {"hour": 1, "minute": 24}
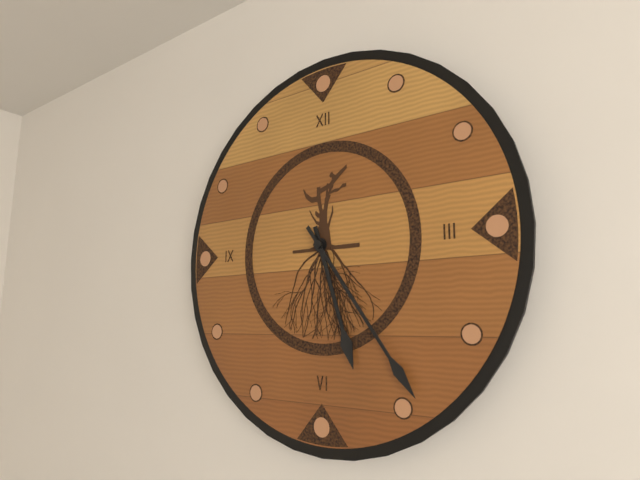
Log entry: {"hour": 5, "minute": 24}
